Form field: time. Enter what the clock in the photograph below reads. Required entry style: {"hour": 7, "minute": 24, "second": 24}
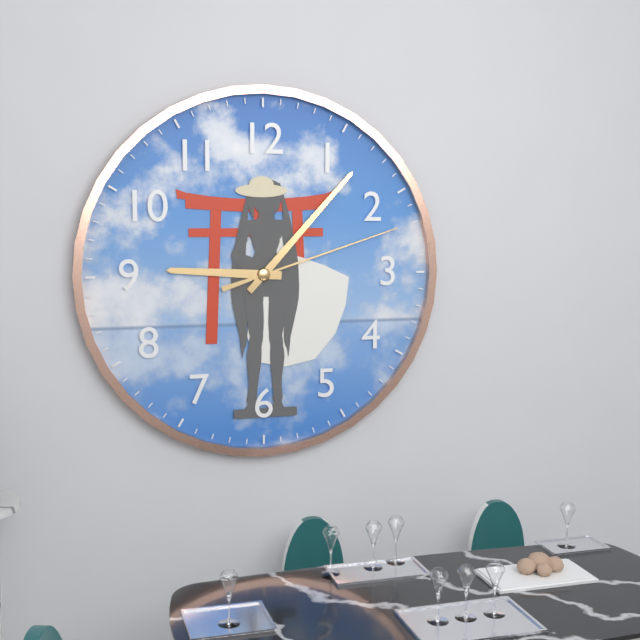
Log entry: {"hour": 9, "minute": 7, "second": 12}
